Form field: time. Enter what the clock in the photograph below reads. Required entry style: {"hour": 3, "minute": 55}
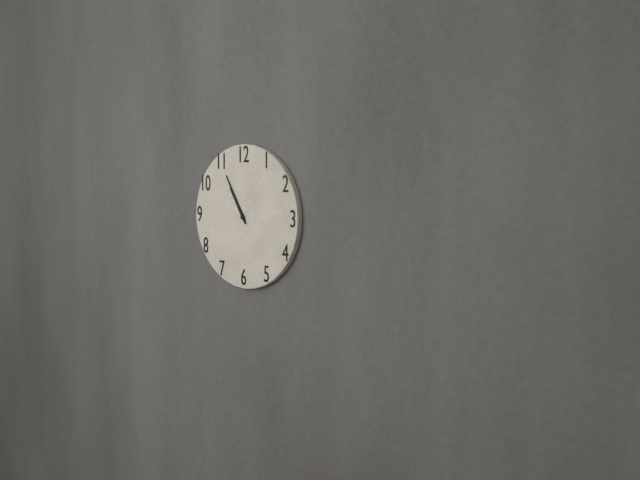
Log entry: {"hour": 10, "minute": 55}
